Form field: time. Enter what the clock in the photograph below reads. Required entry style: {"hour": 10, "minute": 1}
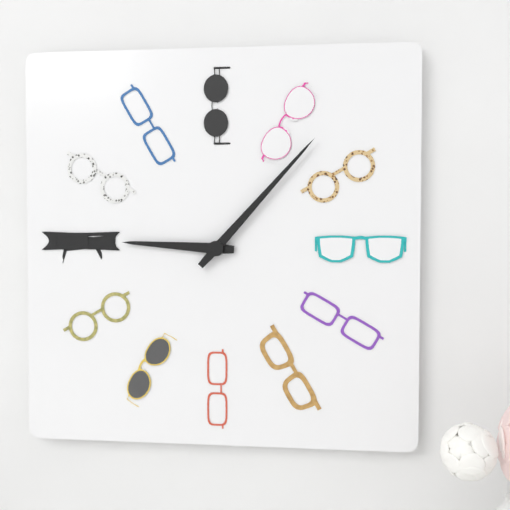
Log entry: {"hour": 9, "minute": 7}
